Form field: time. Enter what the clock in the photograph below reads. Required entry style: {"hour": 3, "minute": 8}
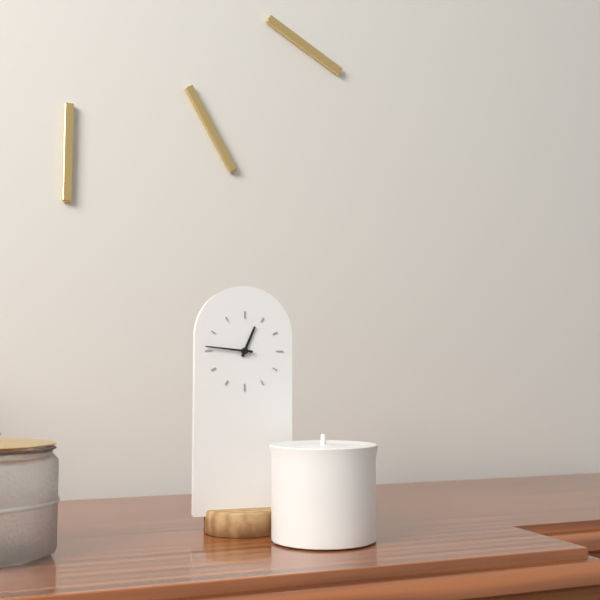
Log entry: {"hour": 12, "minute": 46}
